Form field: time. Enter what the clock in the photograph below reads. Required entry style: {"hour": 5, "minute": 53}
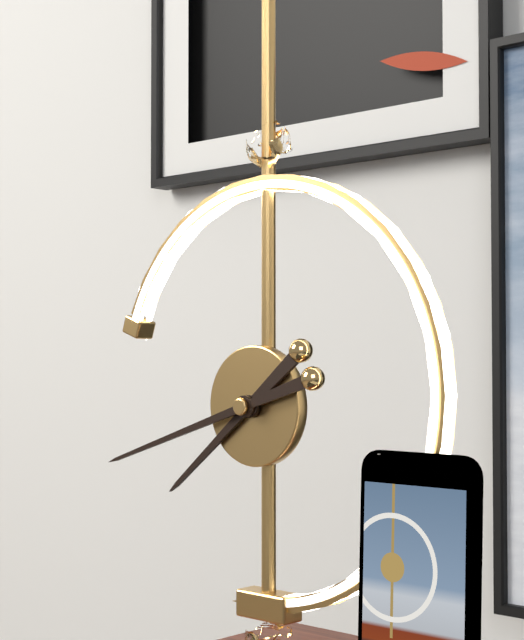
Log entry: {"hour": 7, "minute": 42}
